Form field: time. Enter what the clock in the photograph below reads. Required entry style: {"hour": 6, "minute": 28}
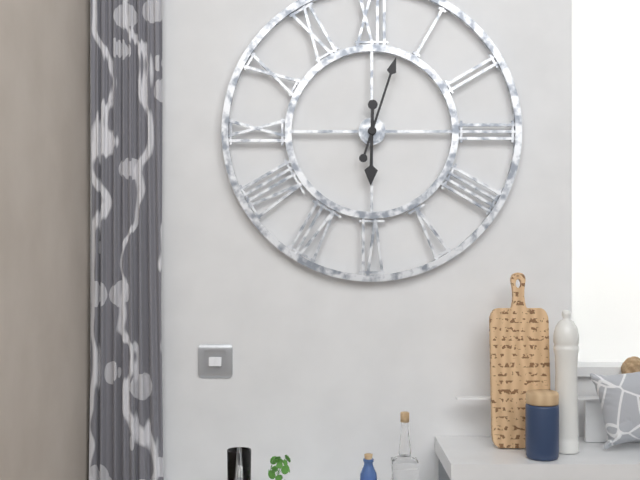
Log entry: {"hour": 6, "minute": 3}
